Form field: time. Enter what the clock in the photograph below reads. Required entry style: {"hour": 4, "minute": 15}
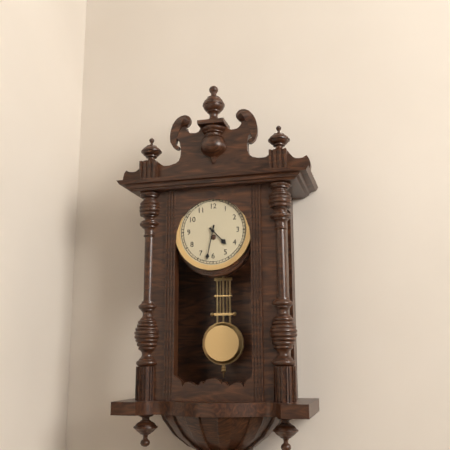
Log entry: {"hour": 4, "minute": 32}
